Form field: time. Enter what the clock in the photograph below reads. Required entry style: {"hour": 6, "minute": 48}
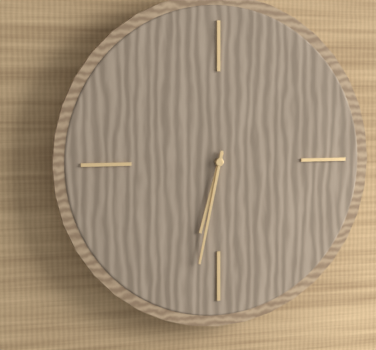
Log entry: {"hour": 6, "minute": 32}
